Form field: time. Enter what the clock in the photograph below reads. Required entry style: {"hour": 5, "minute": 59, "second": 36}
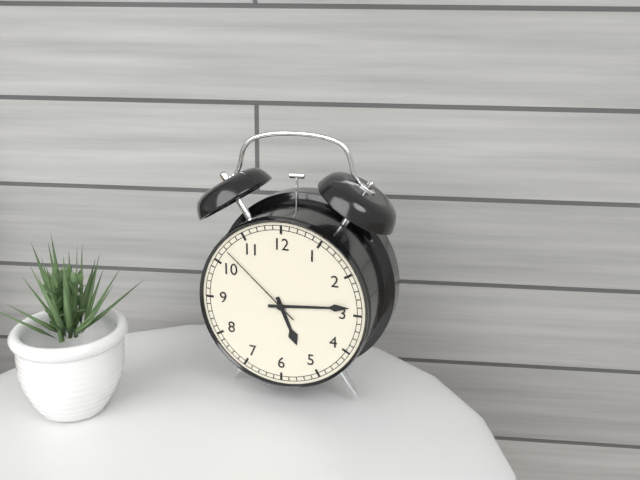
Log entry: {"hour": 5, "minute": 14, "second": 52}
